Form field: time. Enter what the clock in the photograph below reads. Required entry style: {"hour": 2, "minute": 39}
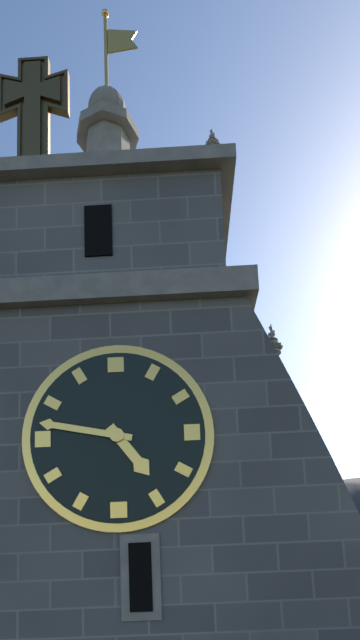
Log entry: {"hour": 4, "minute": 47}
